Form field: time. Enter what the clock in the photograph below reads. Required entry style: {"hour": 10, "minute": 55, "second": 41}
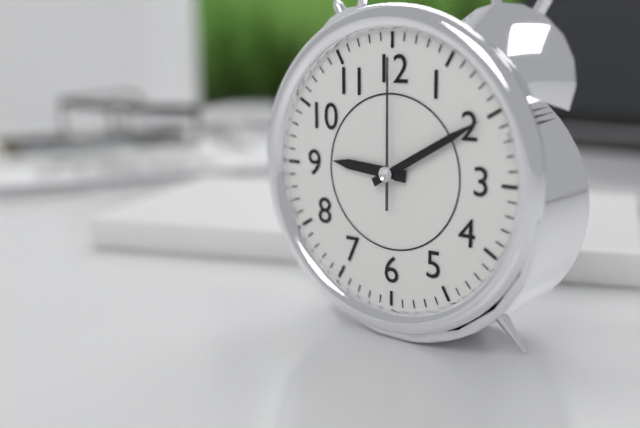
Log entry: {"hour": 9, "minute": 10, "second": 0}
